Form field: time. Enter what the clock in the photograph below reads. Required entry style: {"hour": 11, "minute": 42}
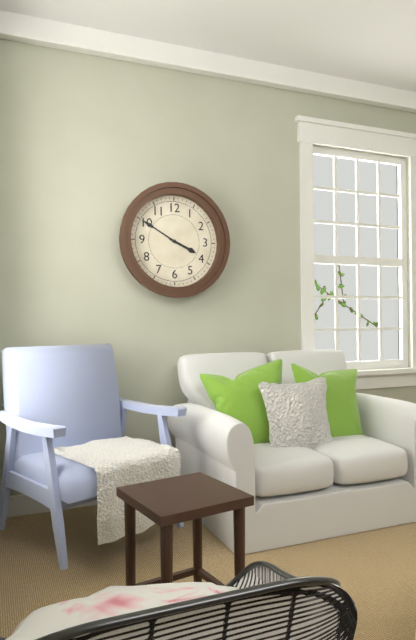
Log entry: {"hour": 3, "minute": 50}
